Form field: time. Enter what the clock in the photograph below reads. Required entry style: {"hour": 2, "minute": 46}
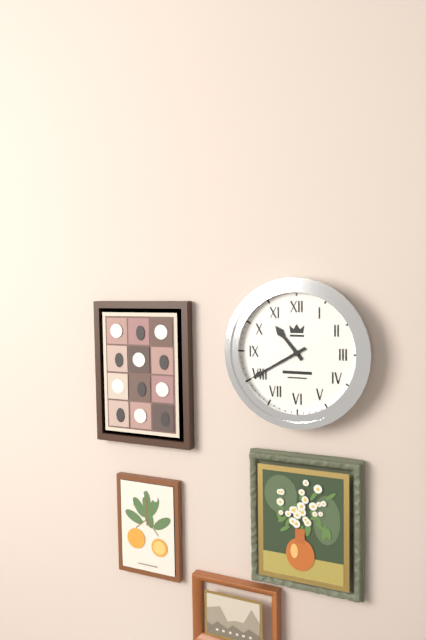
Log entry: {"hour": 10, "minute": 40}
